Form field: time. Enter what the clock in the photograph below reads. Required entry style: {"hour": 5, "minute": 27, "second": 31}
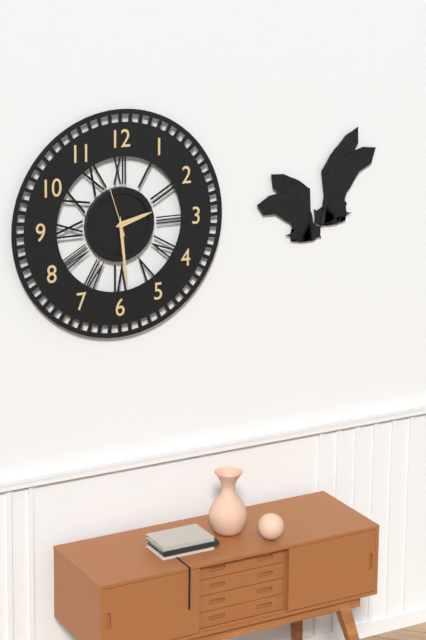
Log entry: {"hour": 2, "minute": 29, "second": 57}
